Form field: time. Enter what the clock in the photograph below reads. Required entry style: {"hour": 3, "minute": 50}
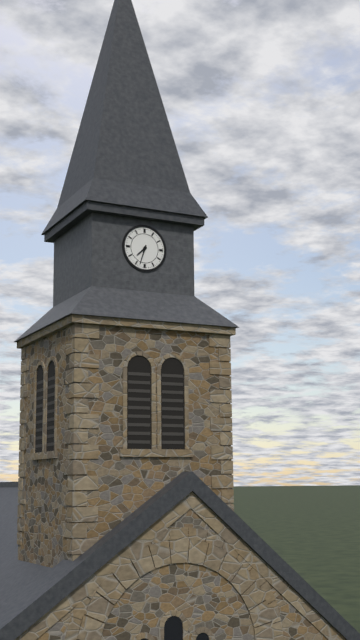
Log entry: {"hour": 7, "minute": 33}
